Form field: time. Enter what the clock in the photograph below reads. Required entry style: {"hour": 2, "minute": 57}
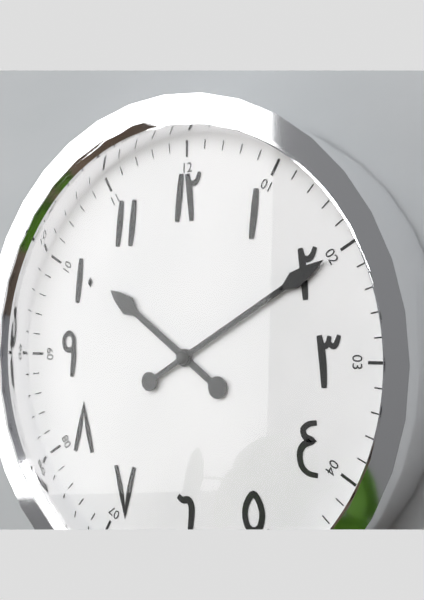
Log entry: {"hour": 10, "minute": 10}
